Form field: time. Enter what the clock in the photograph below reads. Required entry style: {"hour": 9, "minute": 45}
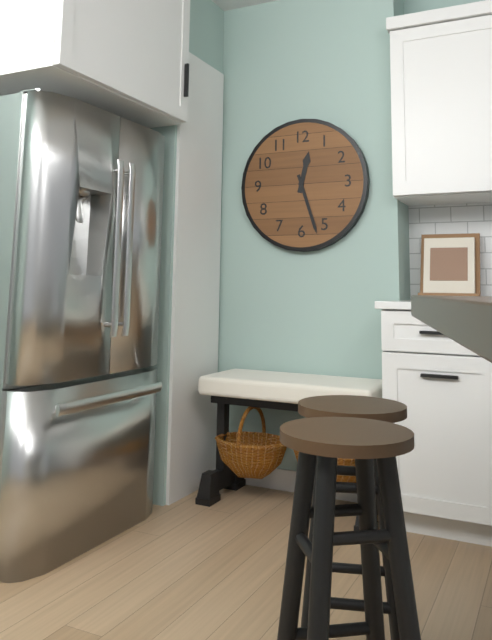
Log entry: {"hour": 12, "minute": 27}
